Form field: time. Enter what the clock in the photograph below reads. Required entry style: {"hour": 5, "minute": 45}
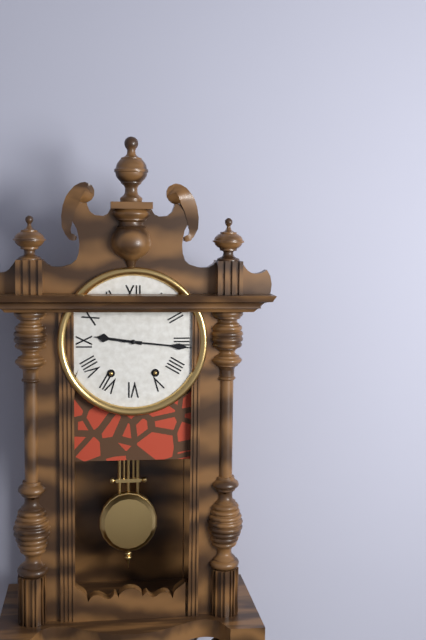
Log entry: {"hour": 9, "minute": 16}
